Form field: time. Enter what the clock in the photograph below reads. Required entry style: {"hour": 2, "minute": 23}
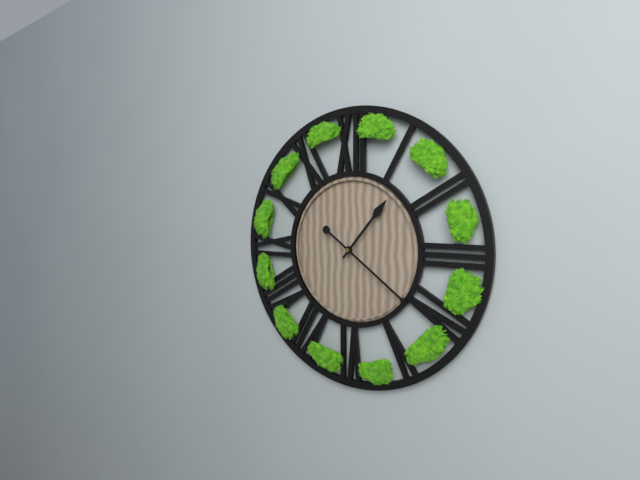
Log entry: {"hour": 1, "minute": 21}
